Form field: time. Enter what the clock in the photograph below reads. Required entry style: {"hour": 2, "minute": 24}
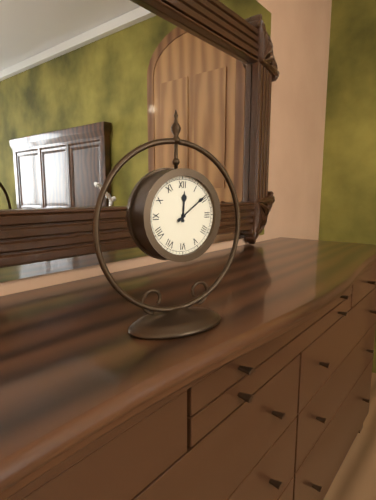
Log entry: {"hour": 12, "minute": 9}
